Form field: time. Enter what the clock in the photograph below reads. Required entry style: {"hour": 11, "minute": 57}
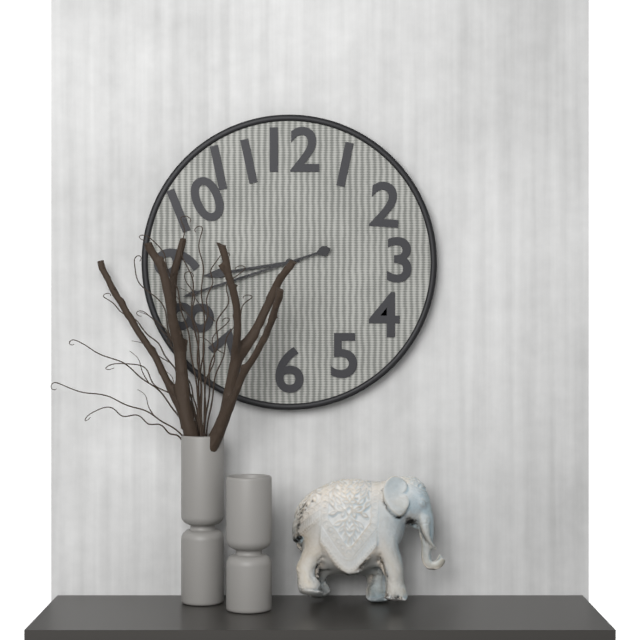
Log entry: {"hour": 8, "minute": 42}
